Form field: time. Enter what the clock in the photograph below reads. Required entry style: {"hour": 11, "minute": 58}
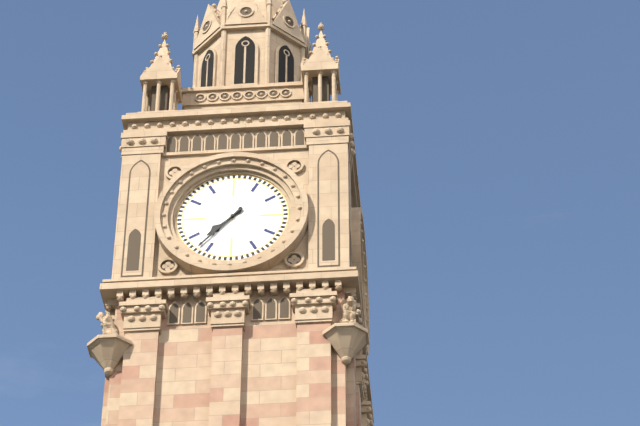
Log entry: {"hour": 7, "minute": 37}
